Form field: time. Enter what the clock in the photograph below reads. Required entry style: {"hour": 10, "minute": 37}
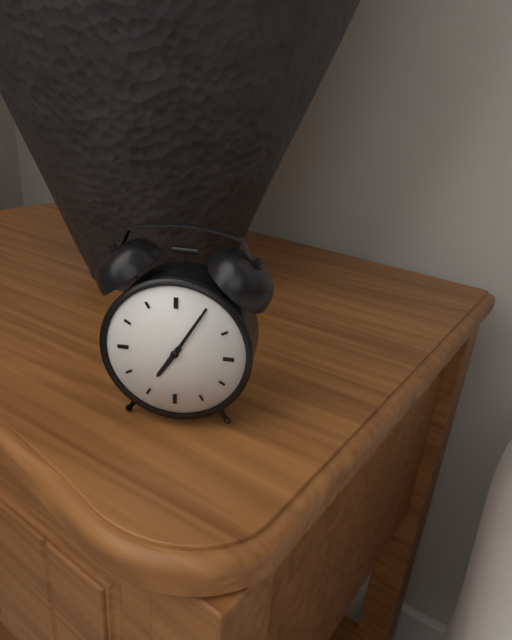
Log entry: {"hour": 7, "minute": 5}
